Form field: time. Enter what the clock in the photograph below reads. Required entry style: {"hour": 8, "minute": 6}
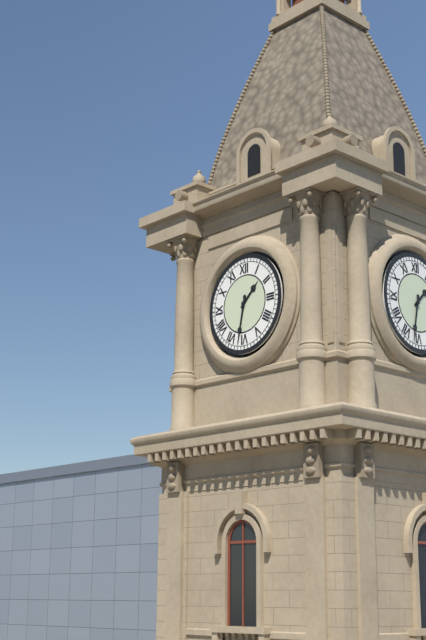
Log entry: {"hour": 1, "minute": 32}
